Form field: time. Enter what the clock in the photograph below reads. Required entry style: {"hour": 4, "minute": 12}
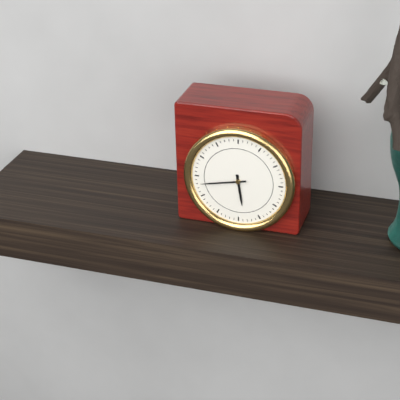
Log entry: {"hour": 5, "minute": 43}
